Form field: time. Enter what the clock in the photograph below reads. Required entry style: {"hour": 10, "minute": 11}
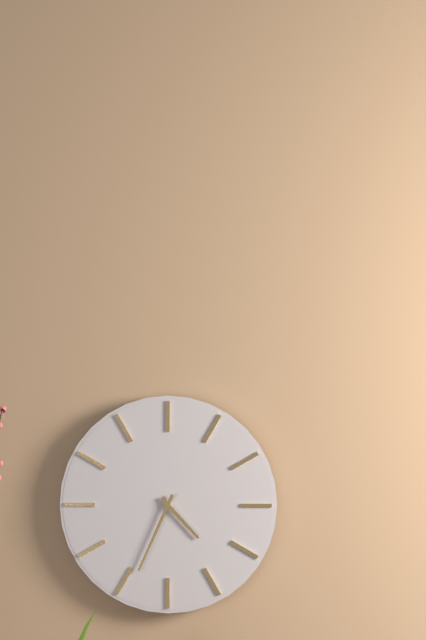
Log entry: {"hour": 4, "minute": 34}
